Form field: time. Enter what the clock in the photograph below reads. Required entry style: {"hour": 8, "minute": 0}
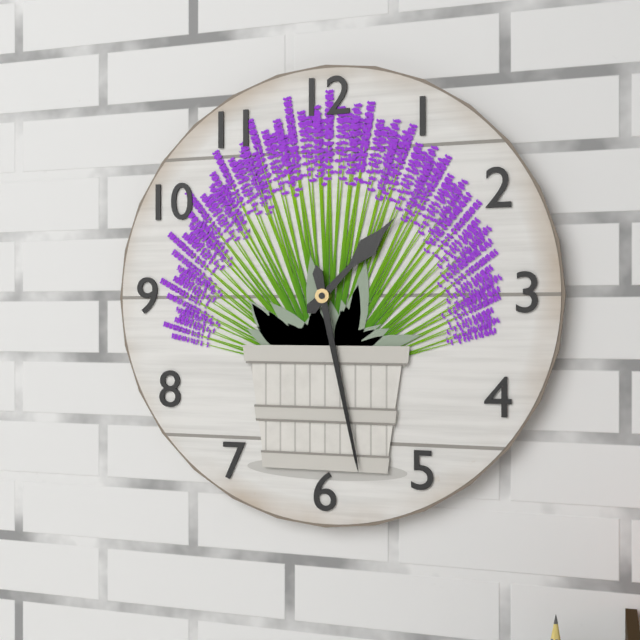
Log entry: {"hour": 1, "minute": 28}
